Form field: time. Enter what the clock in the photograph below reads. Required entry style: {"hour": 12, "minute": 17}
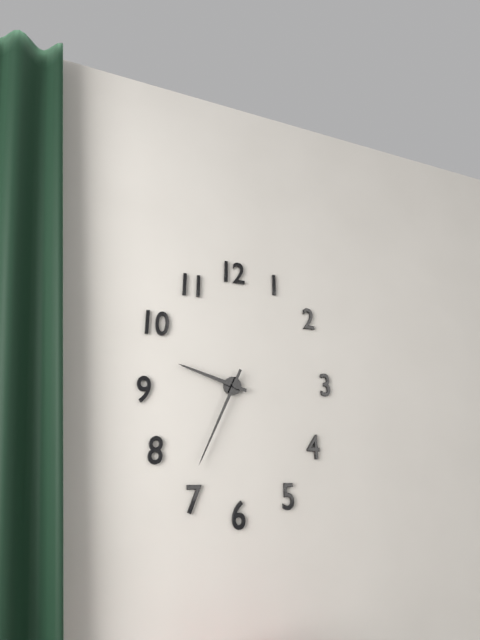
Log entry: {"hour": 9, "minute": 34}
